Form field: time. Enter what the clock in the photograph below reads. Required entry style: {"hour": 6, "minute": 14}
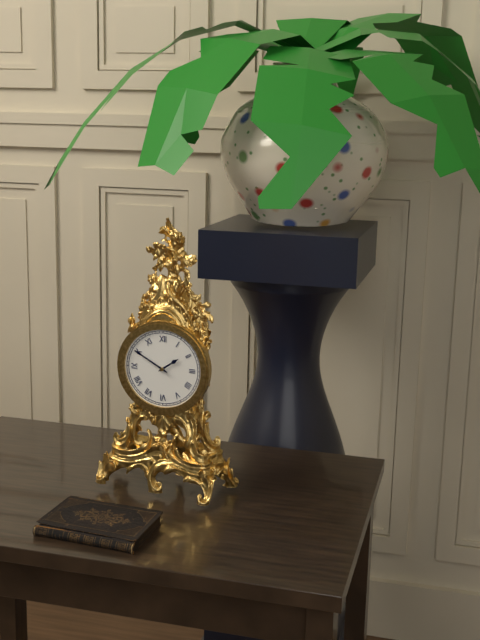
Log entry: {"hour": 1, "minute": 50}
